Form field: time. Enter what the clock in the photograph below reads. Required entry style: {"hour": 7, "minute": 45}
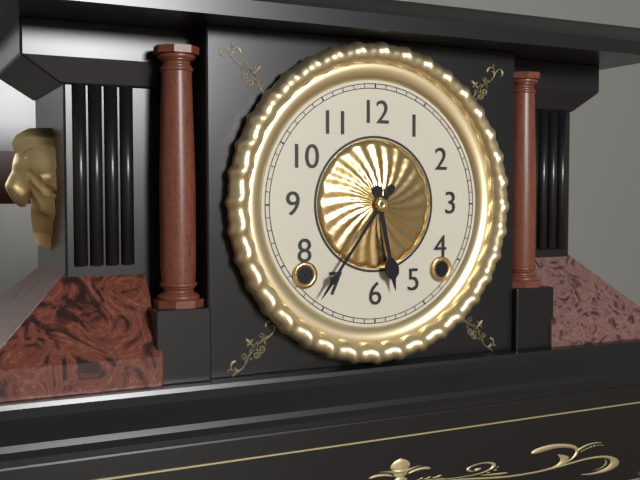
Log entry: {"hour": 5, "minute": 36}
